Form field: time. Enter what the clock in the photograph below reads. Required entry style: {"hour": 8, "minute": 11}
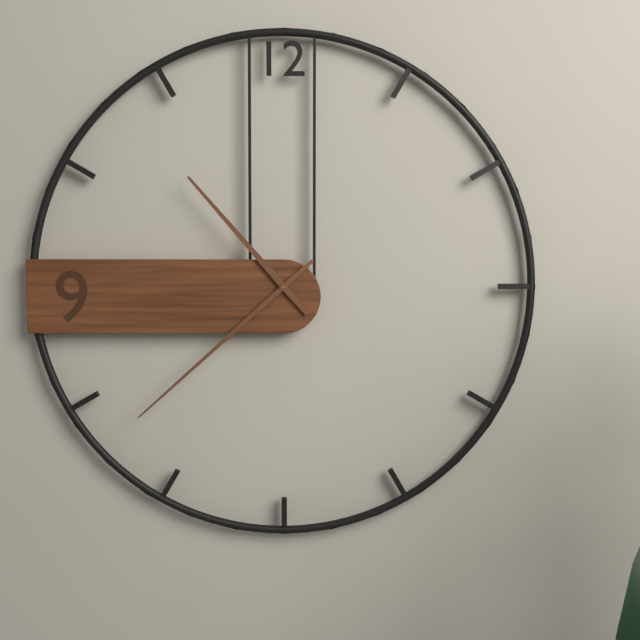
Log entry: {"hour": 10, "minute": 38}
